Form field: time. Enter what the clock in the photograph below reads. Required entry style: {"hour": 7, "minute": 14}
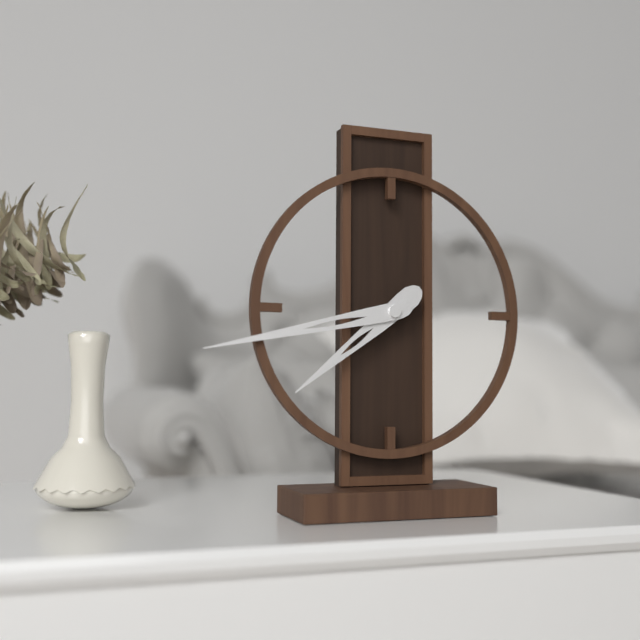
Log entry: {"hour": 7, "minute": 43}
